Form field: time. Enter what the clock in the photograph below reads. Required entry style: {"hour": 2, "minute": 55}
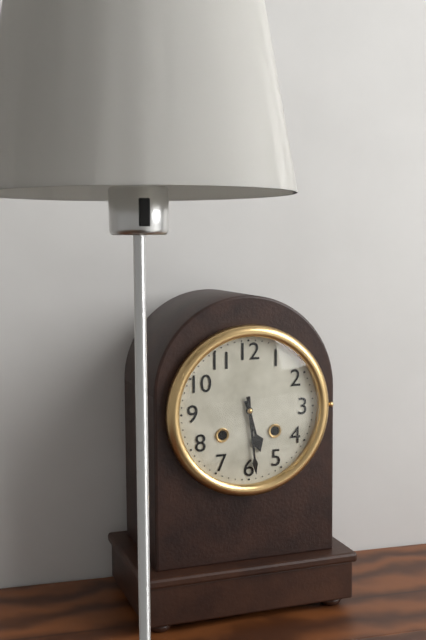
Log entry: {"hour": 5, "minute": 29}
